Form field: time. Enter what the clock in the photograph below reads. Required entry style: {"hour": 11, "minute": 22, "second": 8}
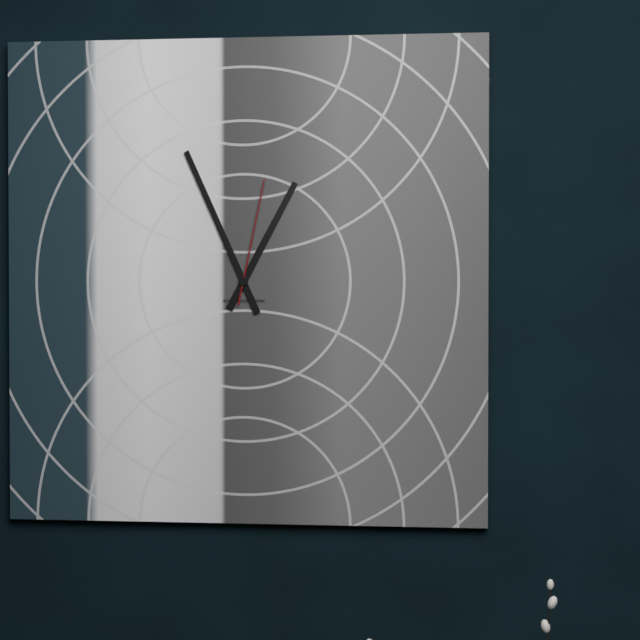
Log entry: {"hour": 12, "minute": 56, "second": 2}
